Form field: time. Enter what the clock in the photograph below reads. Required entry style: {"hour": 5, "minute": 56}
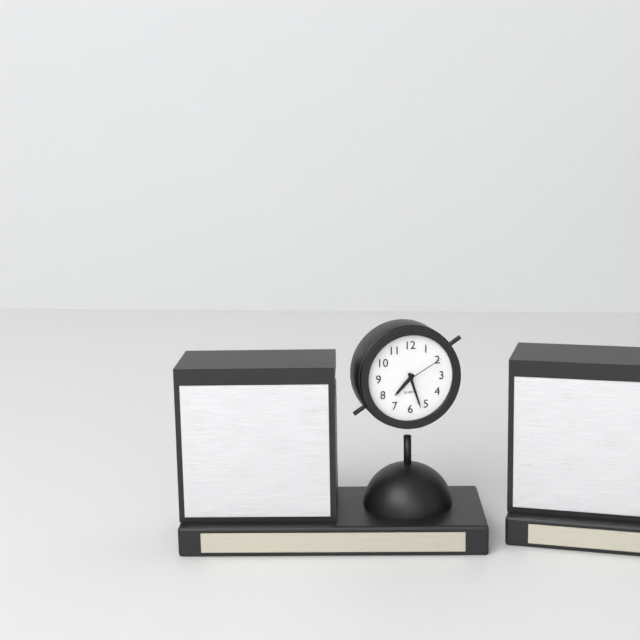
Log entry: {"hour": 7, "minute": 27}
